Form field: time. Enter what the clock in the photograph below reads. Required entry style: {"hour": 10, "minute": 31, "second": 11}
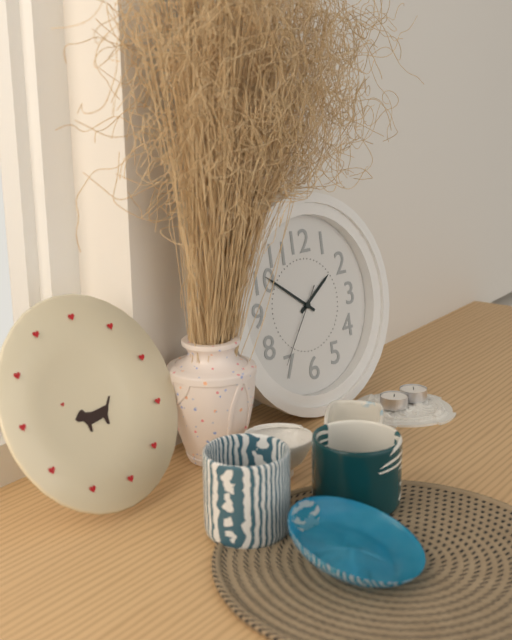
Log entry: {"hour": 1, "minute": 51, "second": 36}
